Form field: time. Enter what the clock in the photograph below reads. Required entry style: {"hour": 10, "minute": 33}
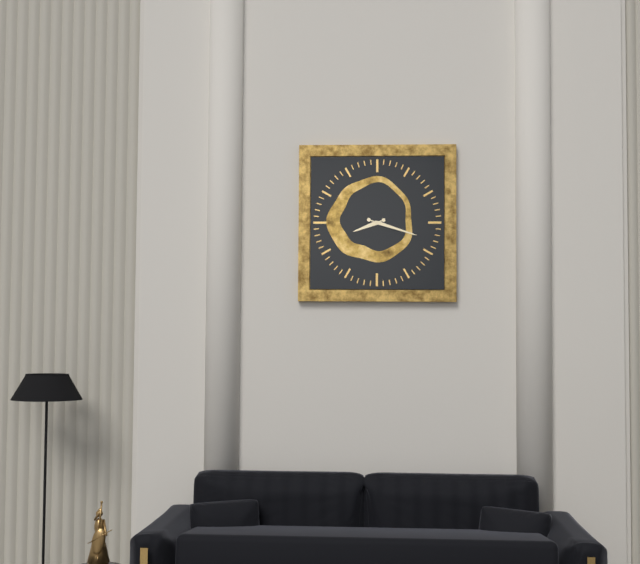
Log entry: {"hour": 8, "minute": 18}
